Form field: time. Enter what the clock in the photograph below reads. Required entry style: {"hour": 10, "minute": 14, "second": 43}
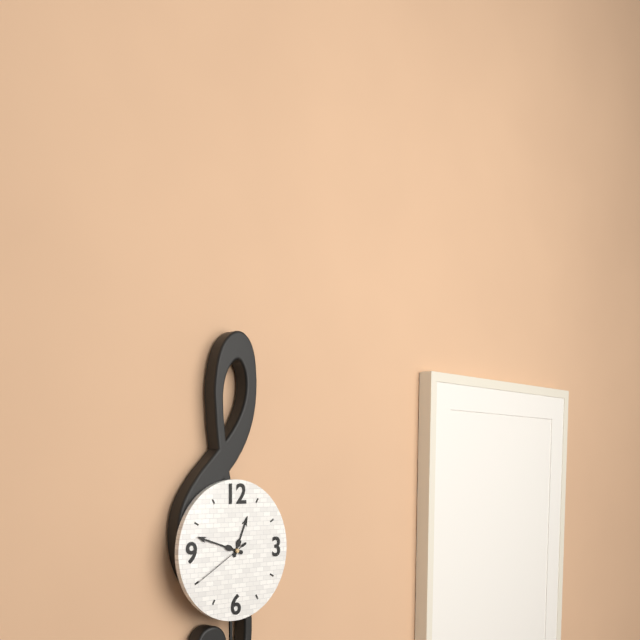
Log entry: {"hour": 12, "minute": 48, "second": 40}
